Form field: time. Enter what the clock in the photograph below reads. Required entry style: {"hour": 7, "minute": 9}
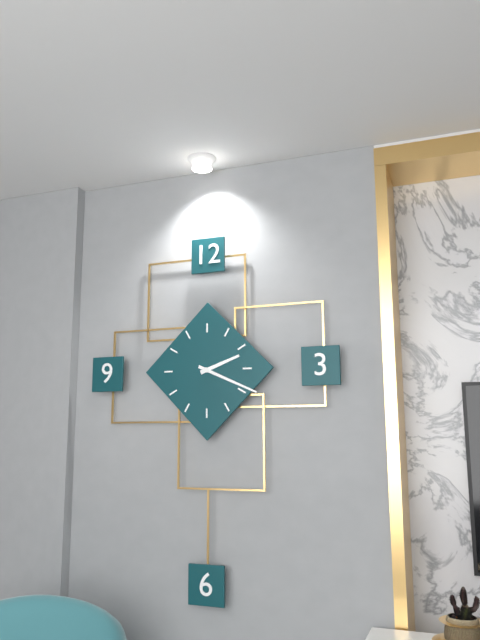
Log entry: {"hour": 2, "minute": 19}
